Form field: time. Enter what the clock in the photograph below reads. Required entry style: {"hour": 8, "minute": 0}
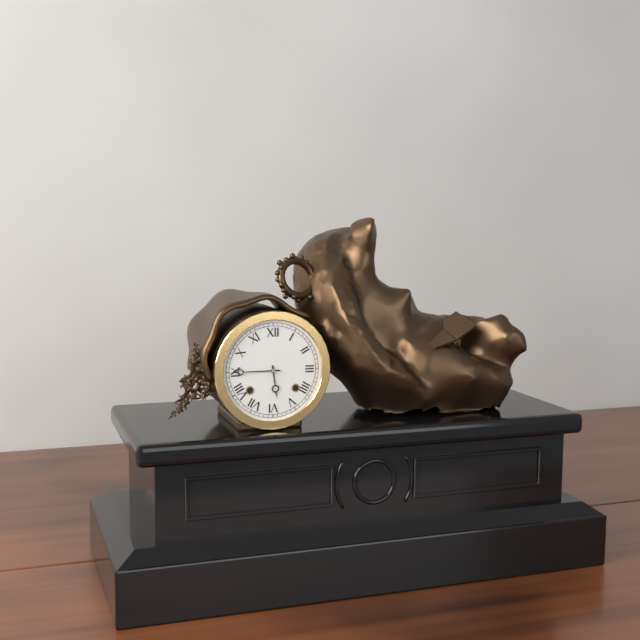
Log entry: {"hour": 5, "minute": 45}
